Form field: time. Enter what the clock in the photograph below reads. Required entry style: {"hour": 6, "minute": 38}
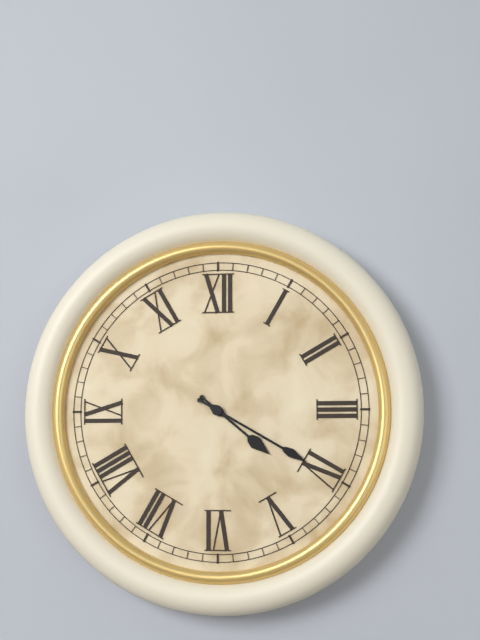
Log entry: {"hour": 4, "minute": 20}
